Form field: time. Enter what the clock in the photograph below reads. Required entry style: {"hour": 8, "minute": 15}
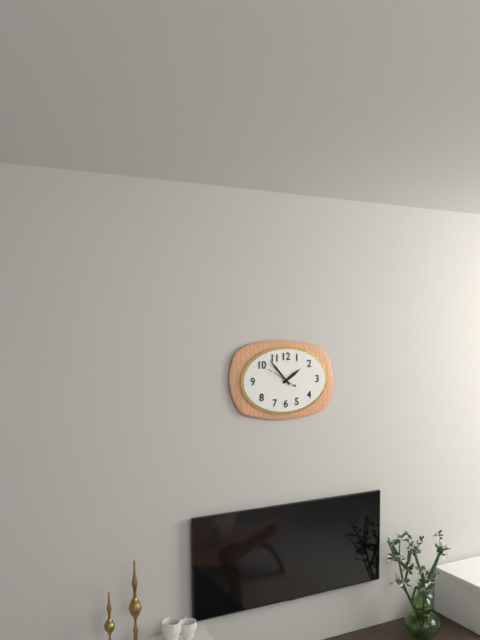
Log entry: {"hour": 1, "minute": 53}
